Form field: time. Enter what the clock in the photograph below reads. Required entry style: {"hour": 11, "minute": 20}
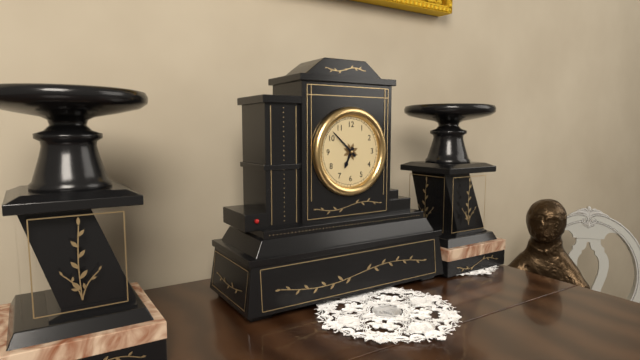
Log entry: {"hour": 6, "minute": 52}
